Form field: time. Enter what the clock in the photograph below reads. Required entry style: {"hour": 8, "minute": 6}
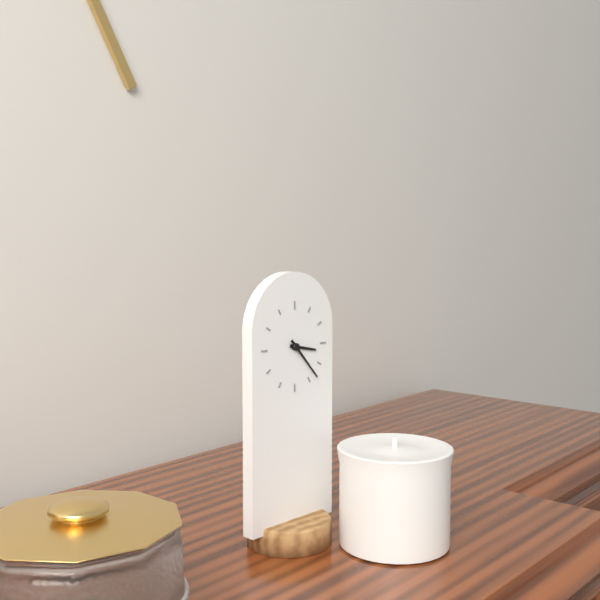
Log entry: {"hour": 3, "minute": 23}
